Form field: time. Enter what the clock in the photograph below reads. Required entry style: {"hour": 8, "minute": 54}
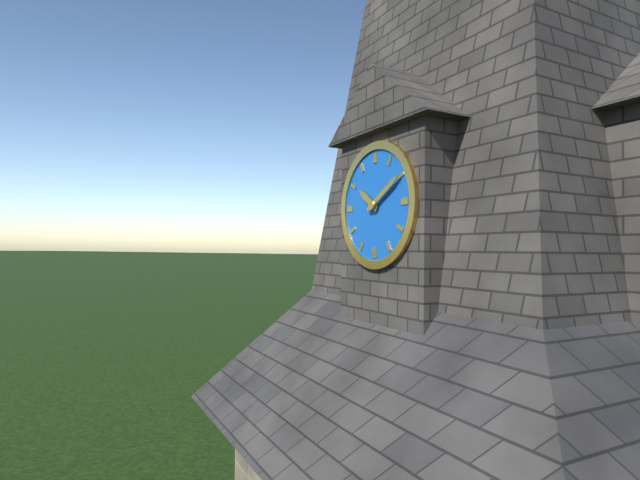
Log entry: {"hour": 10, "minute": 10}
